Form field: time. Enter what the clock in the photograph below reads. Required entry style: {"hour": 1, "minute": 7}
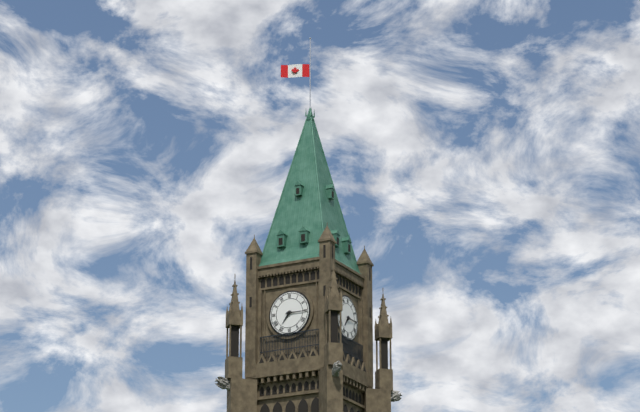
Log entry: {"hour": 7, "minute": 15}
